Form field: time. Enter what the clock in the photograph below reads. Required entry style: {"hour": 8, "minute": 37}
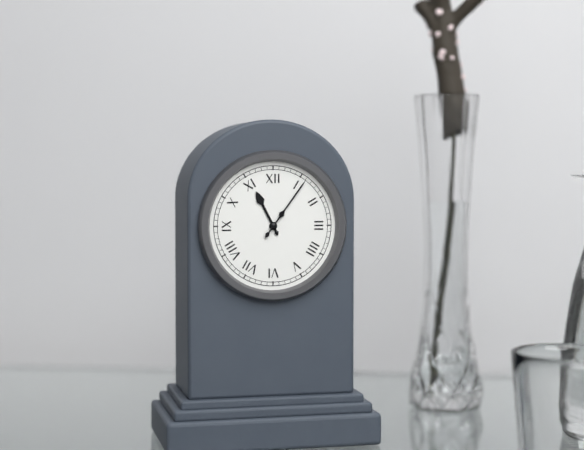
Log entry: {"hour": 11, "minute": 6}
